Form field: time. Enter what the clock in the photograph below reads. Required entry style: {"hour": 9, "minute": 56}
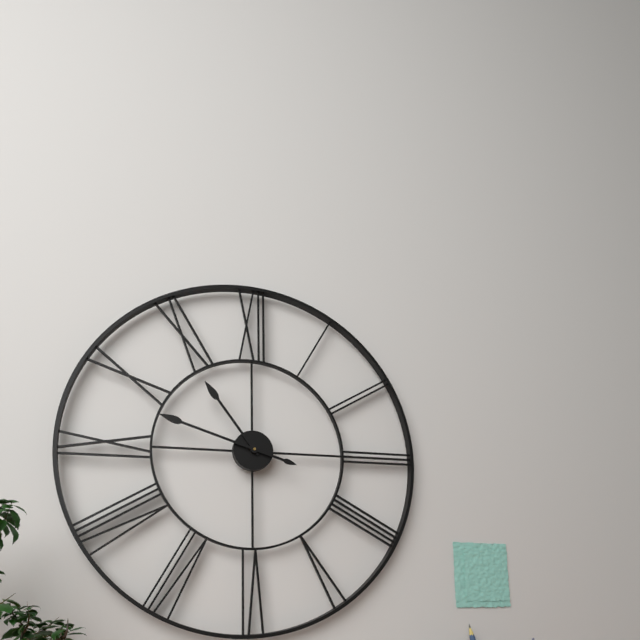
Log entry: {"hour": 10, "minute": 48}
